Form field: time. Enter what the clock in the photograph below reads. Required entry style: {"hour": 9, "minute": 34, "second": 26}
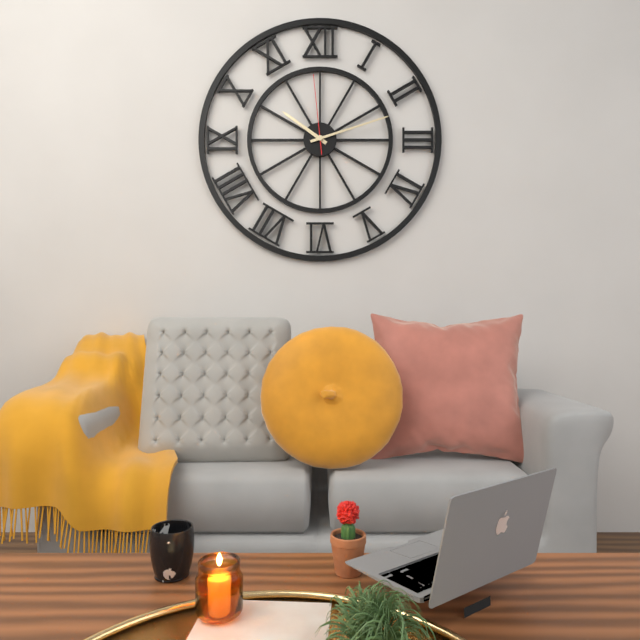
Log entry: {"hour": 10, "minute": 12, "second": 59}
